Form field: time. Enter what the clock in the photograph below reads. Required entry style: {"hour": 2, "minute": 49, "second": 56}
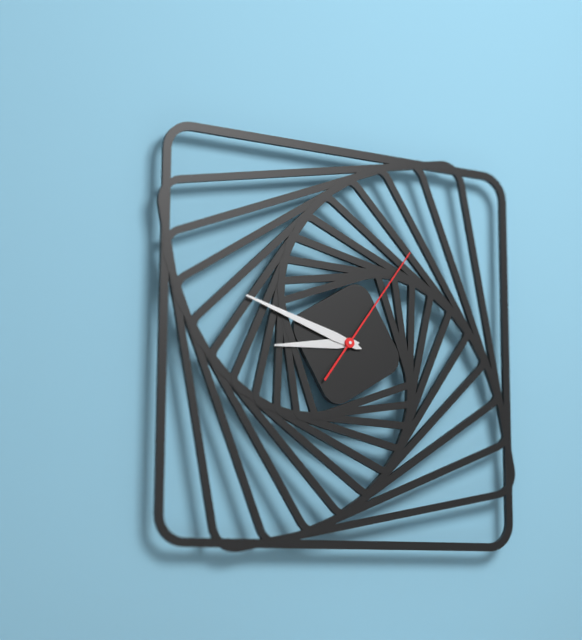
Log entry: {"hour": 8, "minute": 48, "second": 6}
